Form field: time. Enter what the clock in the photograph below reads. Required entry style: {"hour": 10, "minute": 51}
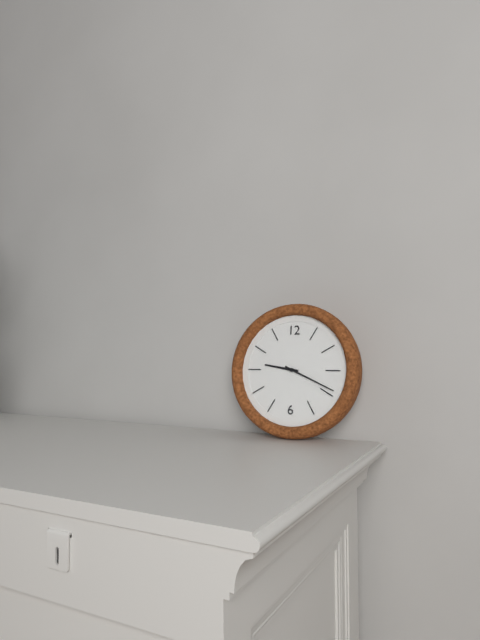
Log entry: {"hour": 9, "minute": 19}
